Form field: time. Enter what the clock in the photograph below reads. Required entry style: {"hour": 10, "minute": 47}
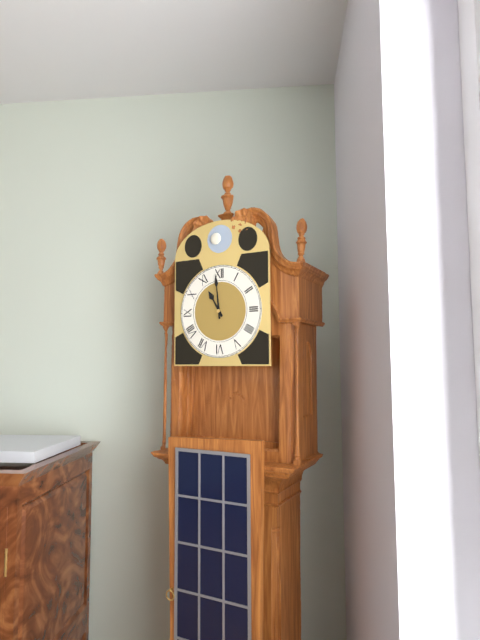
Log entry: {"hour": 10, "minute": 59}
